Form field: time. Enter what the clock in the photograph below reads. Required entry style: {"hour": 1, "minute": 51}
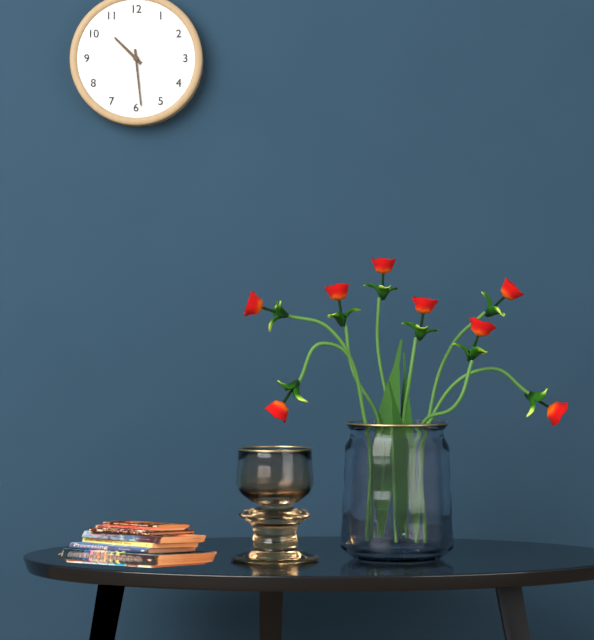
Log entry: {"hour": 10, "minute": 29}
